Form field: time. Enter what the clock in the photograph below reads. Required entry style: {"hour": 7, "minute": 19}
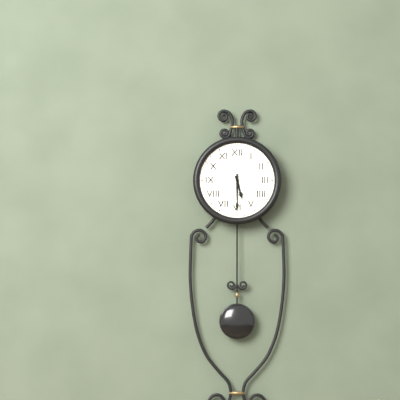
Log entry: {"hour": 5, "minute": 30}
